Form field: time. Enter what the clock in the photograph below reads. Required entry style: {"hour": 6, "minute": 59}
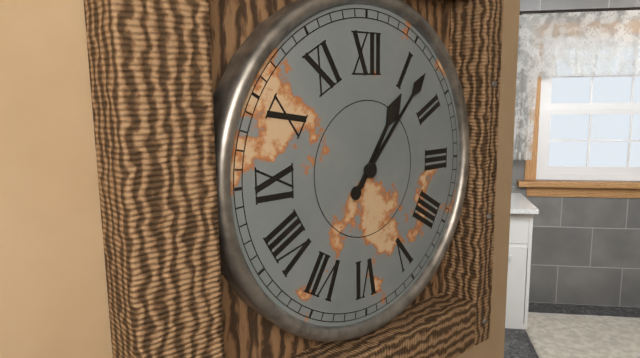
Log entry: {"hour": 1, "minute": 7}
